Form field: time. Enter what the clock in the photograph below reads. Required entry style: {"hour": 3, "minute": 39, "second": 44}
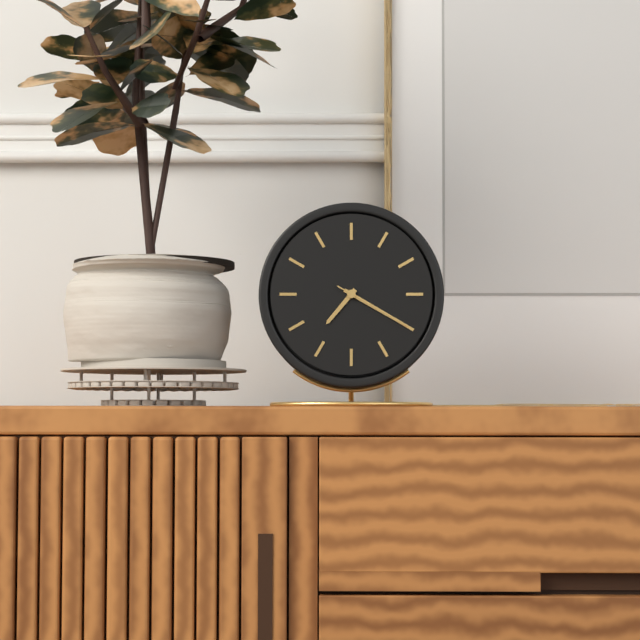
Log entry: {"hour": 7, "minute": 20, "second": 20}
